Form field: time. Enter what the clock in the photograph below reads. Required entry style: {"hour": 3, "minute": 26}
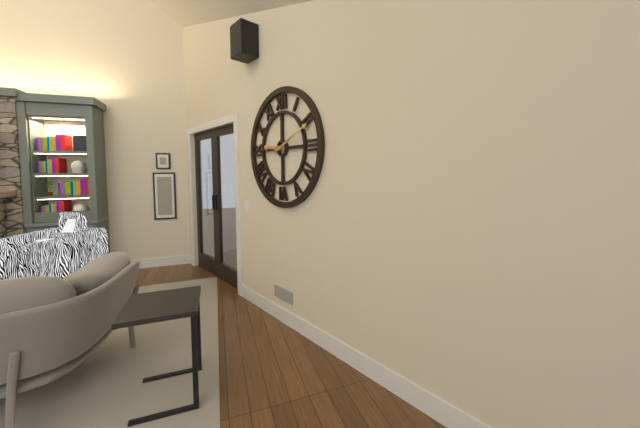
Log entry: {"hour": 9, "minute": 11}
